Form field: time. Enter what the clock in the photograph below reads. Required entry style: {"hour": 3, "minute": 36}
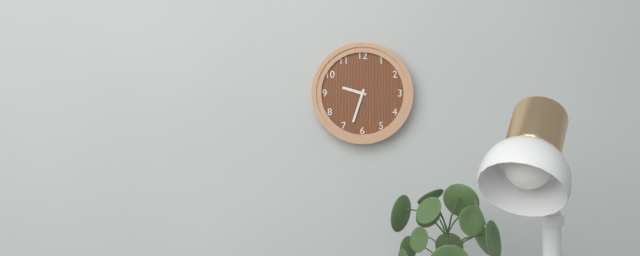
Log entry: {"hour": 9, "minute": 33}
